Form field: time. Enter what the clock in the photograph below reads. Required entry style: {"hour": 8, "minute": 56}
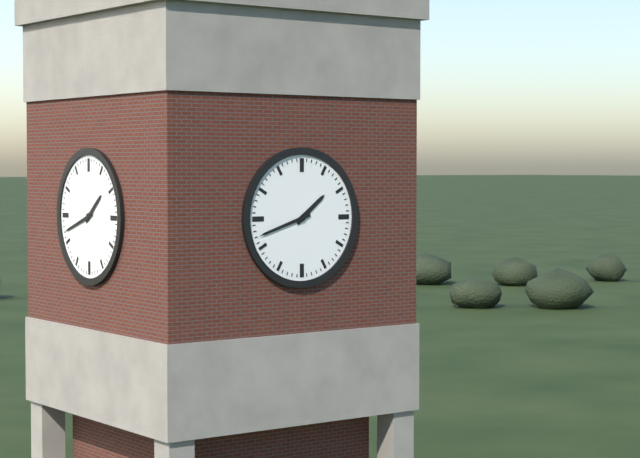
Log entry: {"hour": 1, "minute": 42}
